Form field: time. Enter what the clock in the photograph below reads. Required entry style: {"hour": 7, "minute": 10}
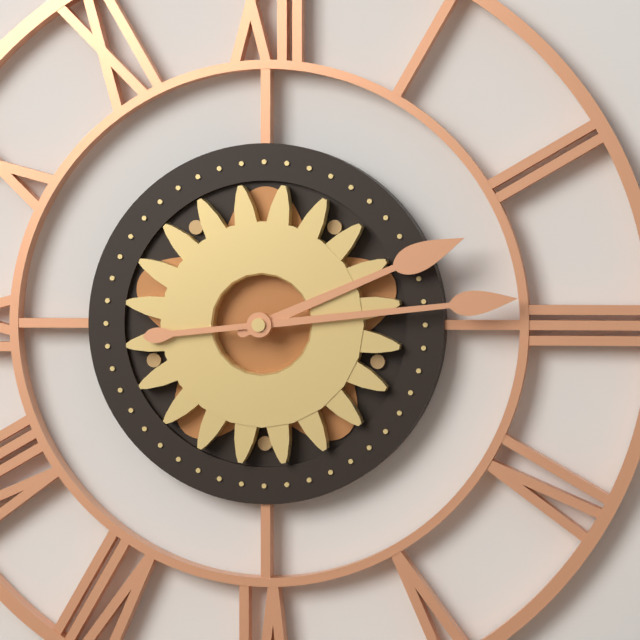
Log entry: {"hour": 2, "minute": 14}
